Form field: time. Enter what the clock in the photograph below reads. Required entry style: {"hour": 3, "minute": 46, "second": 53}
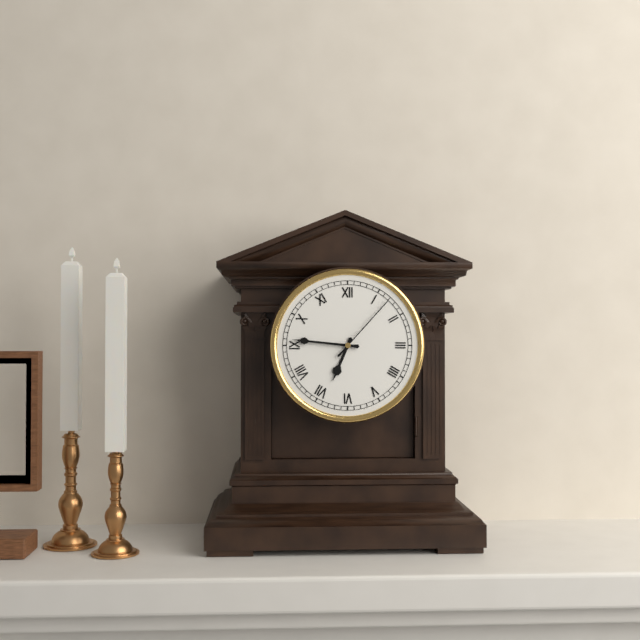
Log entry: {"hour": 6, "minute": 46, "second": 7}
